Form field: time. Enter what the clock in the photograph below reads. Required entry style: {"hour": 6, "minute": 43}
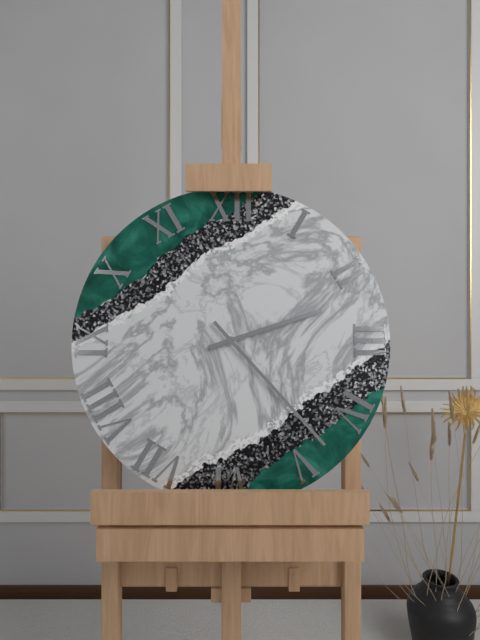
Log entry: {"hour": 2, "minute": 23}
